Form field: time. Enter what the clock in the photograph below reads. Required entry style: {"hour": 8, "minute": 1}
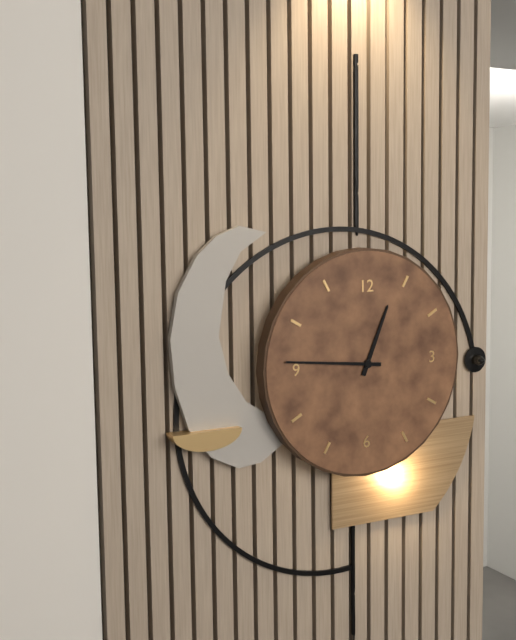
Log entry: {"hour": 12, "minute": 46}
